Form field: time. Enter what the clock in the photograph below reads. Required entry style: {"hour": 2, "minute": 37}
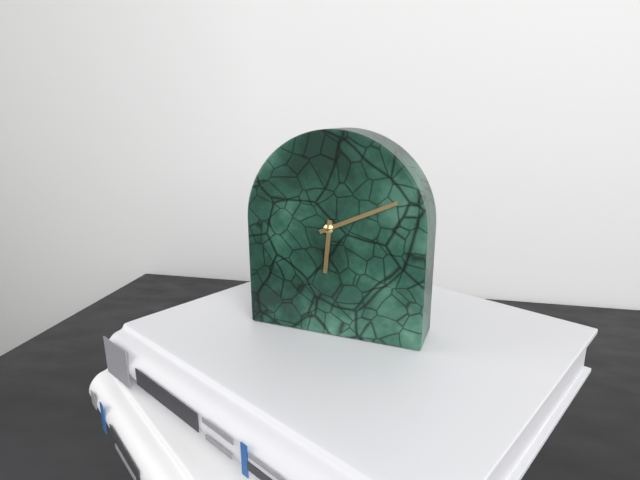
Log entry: {"hour": 6, "minute": 11}
